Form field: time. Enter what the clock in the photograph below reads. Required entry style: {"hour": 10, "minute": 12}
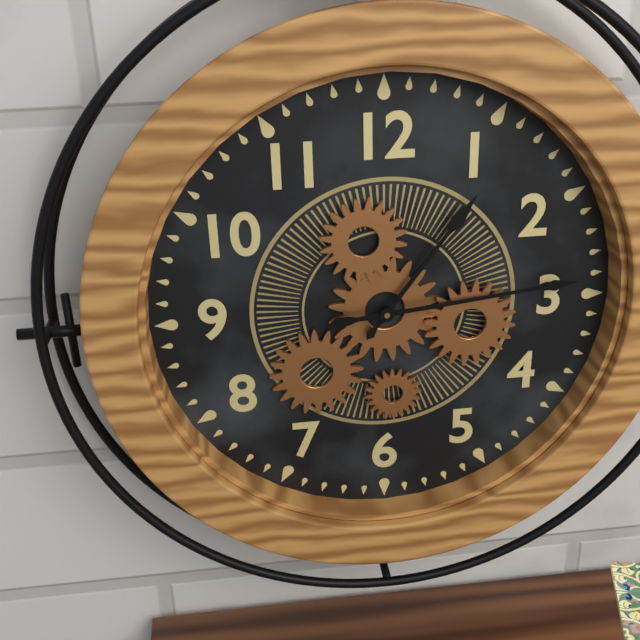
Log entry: {"hour": 1, "minute": 14}
